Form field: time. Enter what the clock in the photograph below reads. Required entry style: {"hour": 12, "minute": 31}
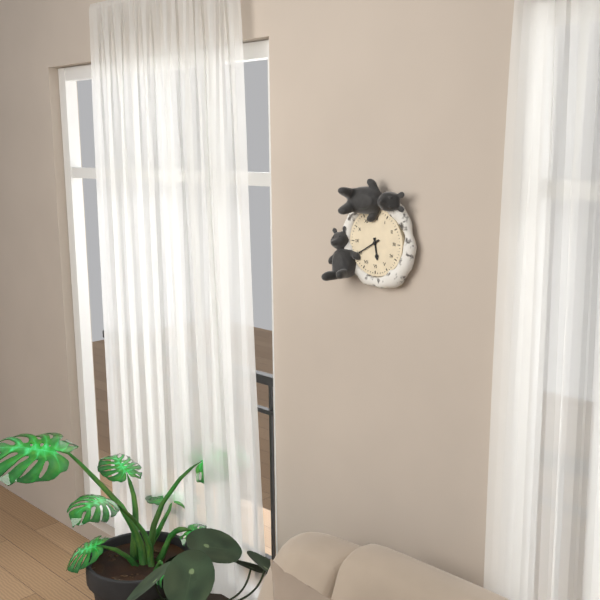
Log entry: {"hour": 5, "minute": 40}
